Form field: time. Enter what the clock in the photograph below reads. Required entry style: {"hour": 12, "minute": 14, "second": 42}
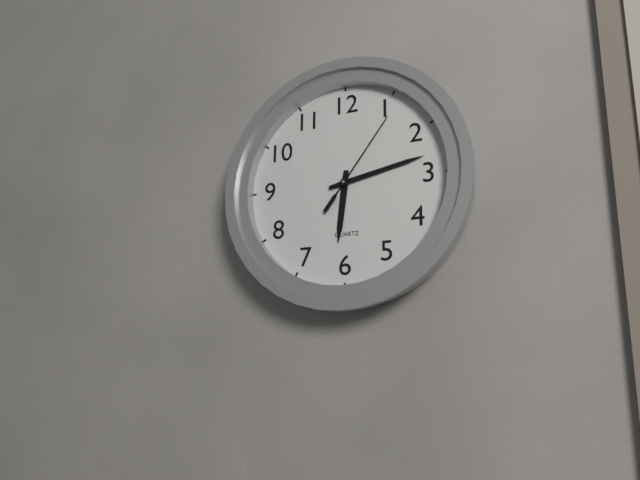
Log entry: {"hour": 6, "minute": 13, "second": 6}
